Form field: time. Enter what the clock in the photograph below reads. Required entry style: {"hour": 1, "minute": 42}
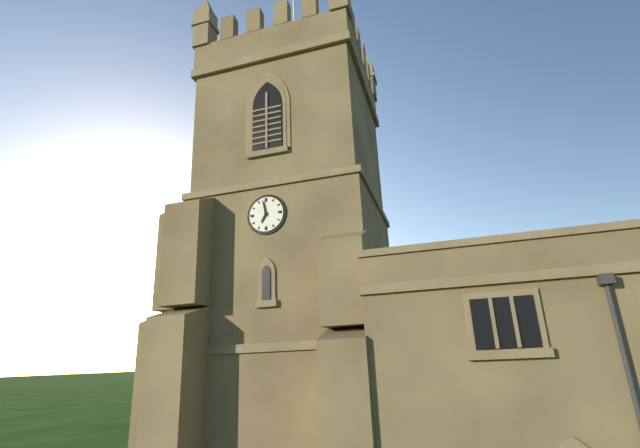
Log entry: {"hour": 6, "minute": 58}
